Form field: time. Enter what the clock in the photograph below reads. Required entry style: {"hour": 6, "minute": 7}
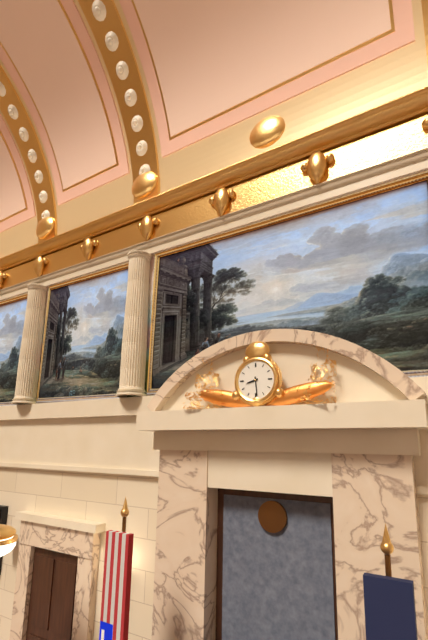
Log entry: {"hour": 8, "minute": 29}
